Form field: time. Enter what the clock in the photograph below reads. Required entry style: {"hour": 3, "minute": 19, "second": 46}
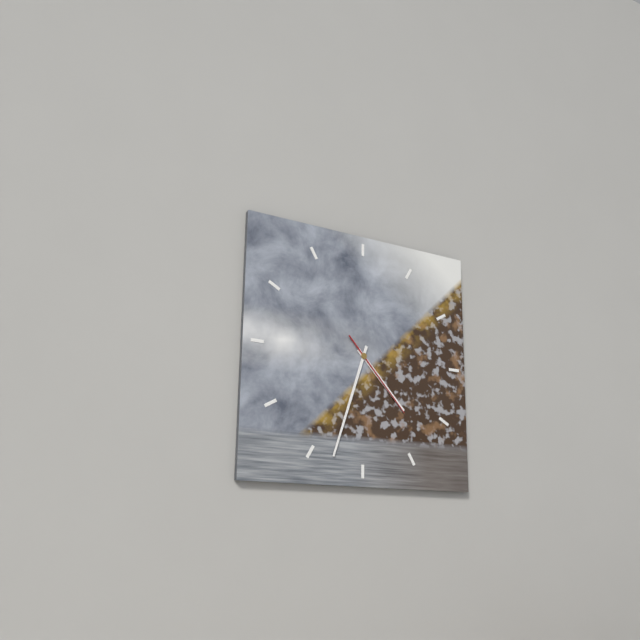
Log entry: {"hour": 4, "minute": 33, "second": 23}
